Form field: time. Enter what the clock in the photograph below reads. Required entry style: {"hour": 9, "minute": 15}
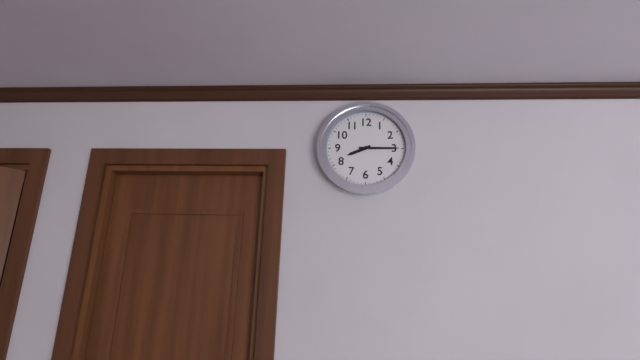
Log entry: {"hour": 8, "minute": 15}
